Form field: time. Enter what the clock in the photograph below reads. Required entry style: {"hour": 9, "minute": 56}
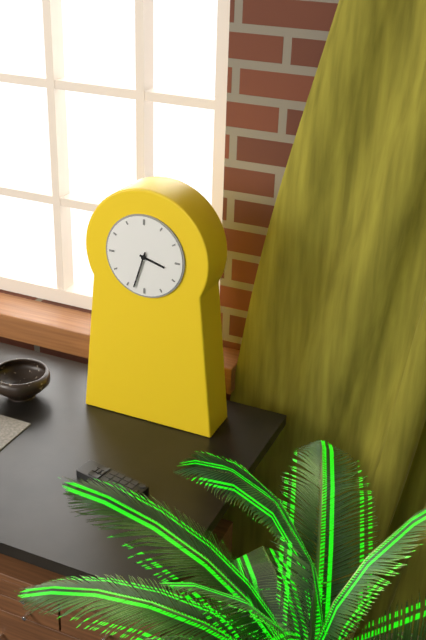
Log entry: {"hour": 3, "minute": 33}
